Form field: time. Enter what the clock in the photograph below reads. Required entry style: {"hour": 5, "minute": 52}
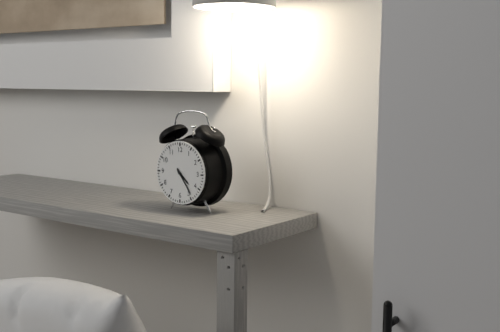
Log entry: {"hour": 4, "minute": 24}
